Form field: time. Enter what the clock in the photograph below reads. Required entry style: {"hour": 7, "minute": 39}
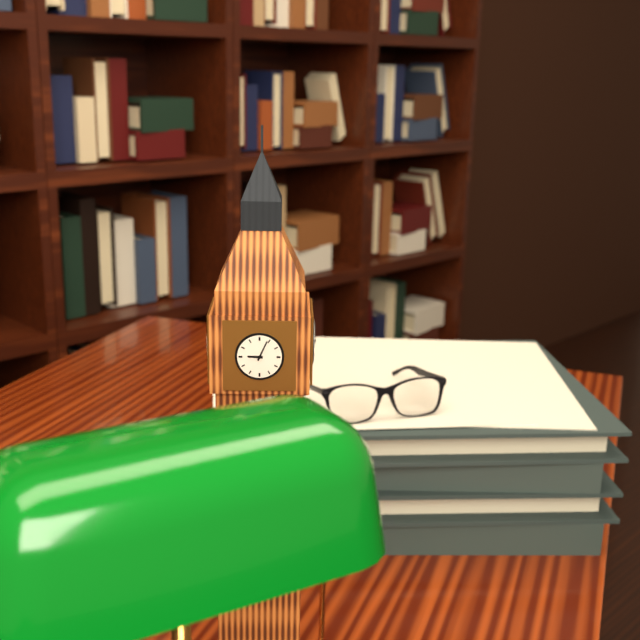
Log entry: {"hour": 9, "minute": 4}
